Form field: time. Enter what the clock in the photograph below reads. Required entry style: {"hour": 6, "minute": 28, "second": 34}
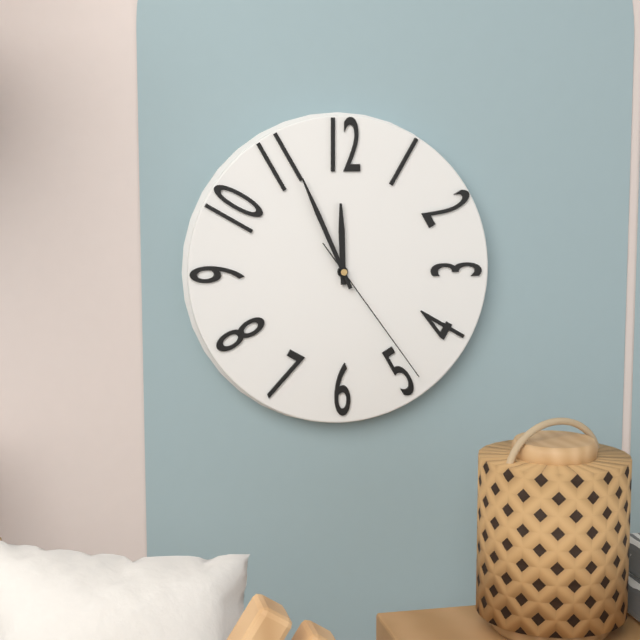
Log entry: {"hour": 11, "minute": 56, "second": 24}
